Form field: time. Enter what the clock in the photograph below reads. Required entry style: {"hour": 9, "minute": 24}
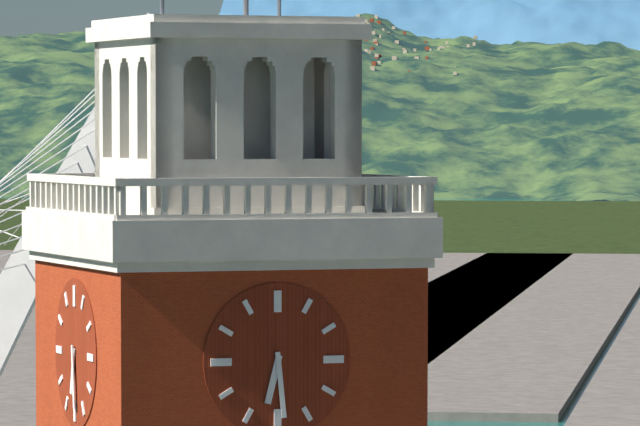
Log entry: {"hour": 6, "minute": 29}
